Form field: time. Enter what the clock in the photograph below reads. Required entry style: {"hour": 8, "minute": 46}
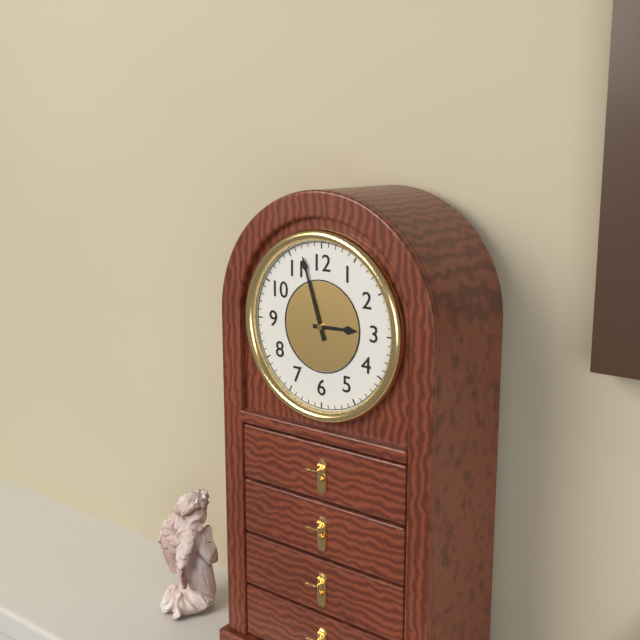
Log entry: {"hour": 2, "minute": 57}
